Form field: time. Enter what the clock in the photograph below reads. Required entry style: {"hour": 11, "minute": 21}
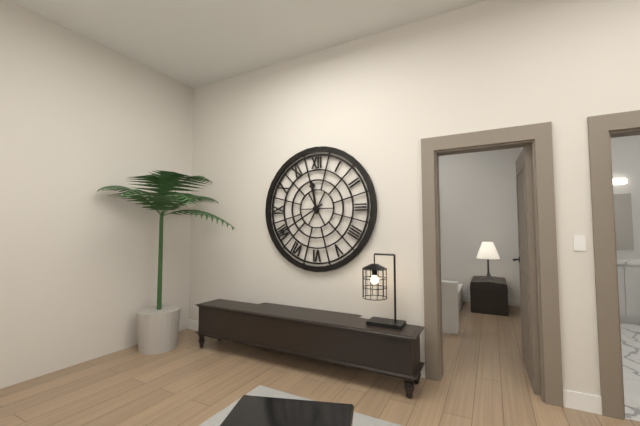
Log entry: {"hour": 11, "minute": 40}
